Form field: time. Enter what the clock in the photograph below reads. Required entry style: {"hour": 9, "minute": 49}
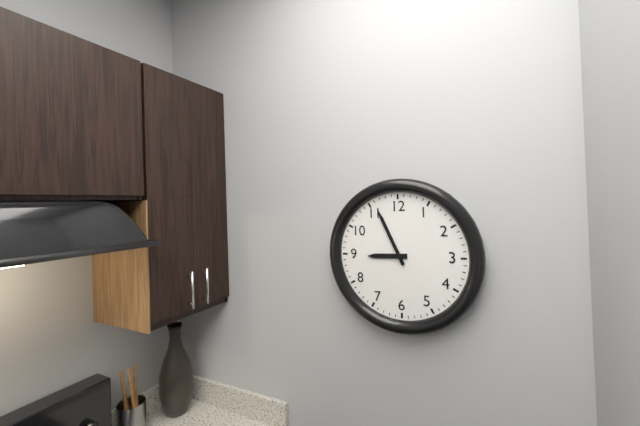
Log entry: {"hour": 8, "minute": 56}
